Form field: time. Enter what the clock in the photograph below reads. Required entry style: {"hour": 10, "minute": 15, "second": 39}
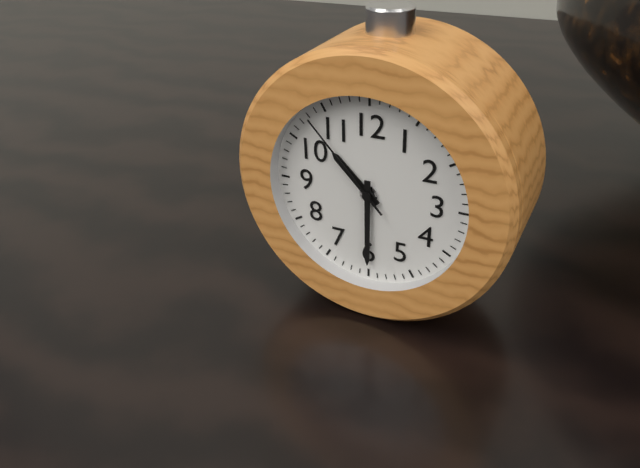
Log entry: {"hour": 10, "minute": 30, "second": 53}
